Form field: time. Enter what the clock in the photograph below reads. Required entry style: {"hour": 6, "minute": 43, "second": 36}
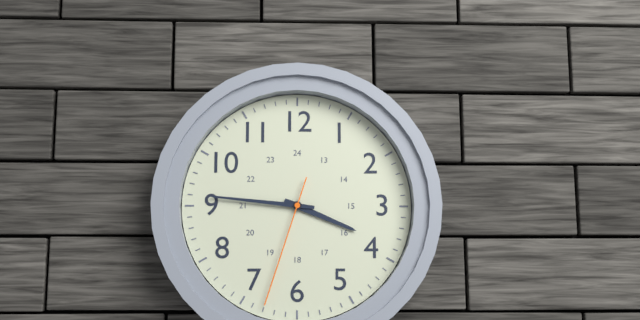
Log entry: {"hour": 3, "minute": 46, "second": 33}
